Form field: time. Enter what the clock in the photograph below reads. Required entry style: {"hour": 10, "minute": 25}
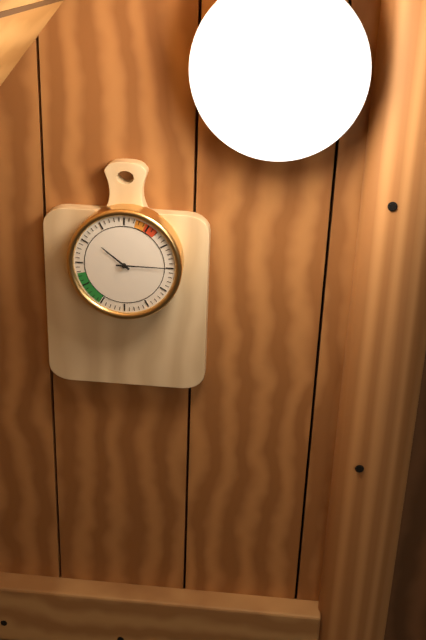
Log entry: {"hour": 10, "minute": 15}
